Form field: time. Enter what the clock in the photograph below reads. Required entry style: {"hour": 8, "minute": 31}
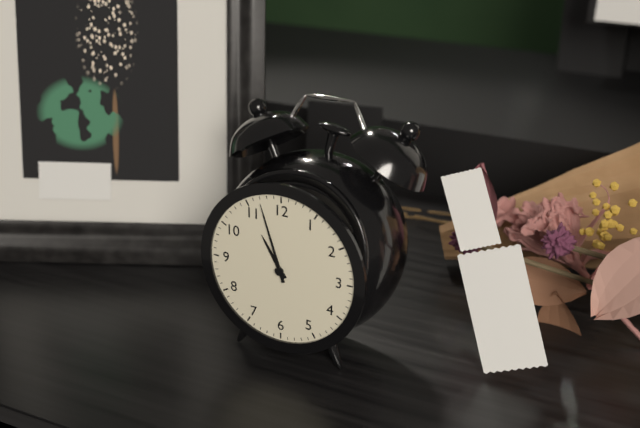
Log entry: {"hour": 10, "minute": 57}
